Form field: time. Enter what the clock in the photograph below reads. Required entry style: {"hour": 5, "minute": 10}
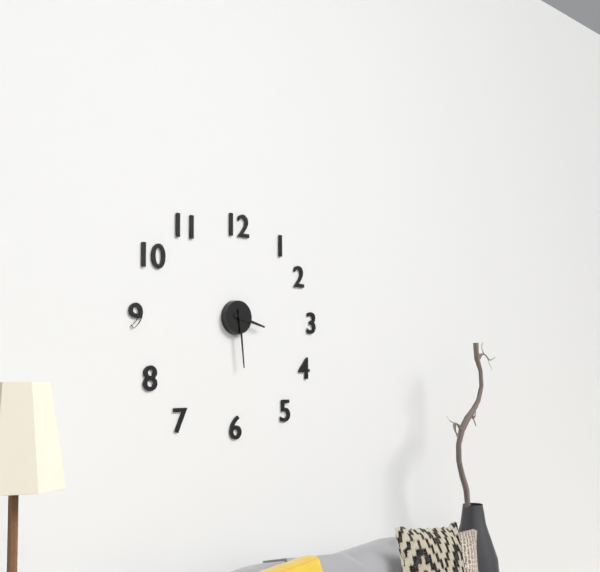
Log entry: {"hour": 3, "minute": 29}
